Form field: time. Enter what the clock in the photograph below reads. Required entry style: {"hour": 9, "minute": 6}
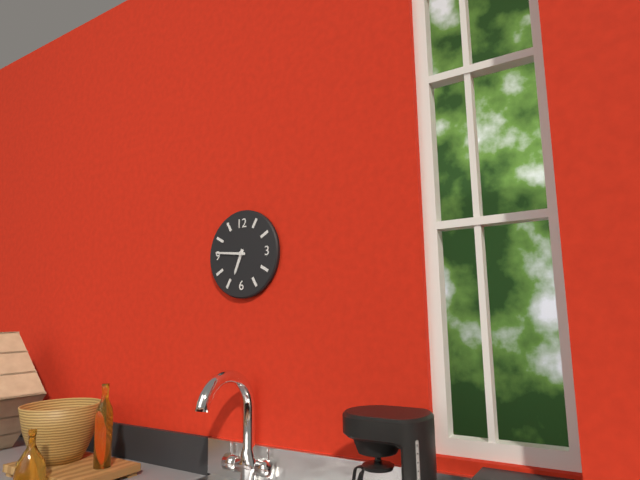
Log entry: {"hour": 6, "minute": 46}
